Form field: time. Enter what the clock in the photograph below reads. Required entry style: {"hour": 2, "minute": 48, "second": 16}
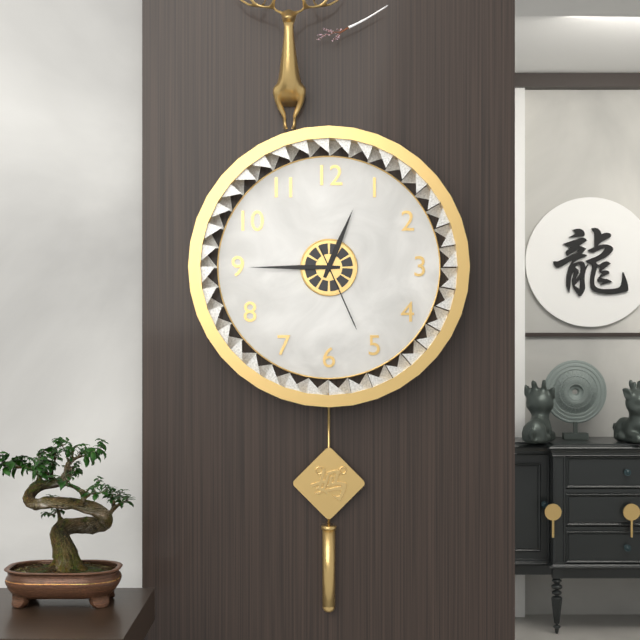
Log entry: {"hour": 12, "minute": 45, "second": 26}
